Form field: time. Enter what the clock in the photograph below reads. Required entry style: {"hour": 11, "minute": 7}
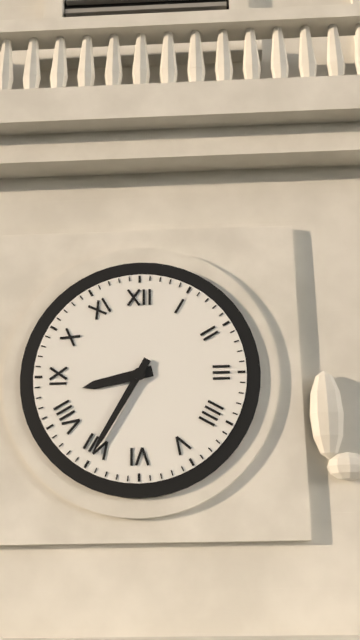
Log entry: {"hour": 8, "minute": 35}
